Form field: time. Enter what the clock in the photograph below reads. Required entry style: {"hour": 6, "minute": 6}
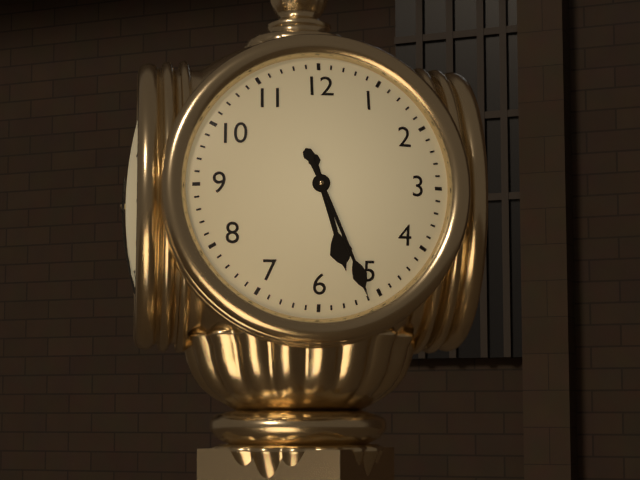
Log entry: {"hour": 5, "minute": 26}
